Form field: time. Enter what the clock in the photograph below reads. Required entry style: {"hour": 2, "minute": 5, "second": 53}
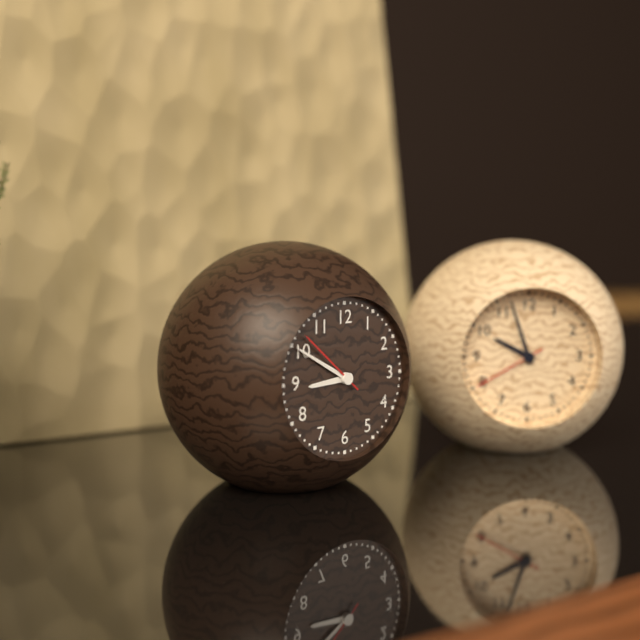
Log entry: {"hour": 8, "minute": 50, "second": 52}
